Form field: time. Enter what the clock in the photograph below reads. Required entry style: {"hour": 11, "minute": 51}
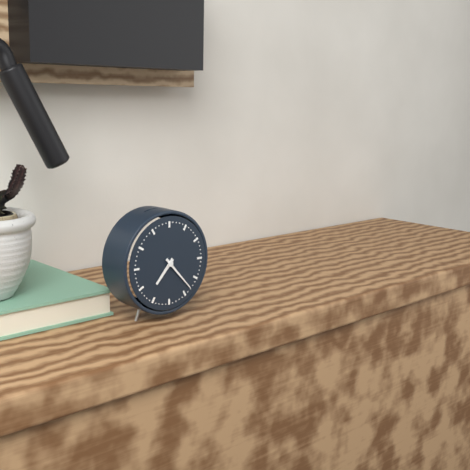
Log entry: {"hour": 7, "minute": 23}
